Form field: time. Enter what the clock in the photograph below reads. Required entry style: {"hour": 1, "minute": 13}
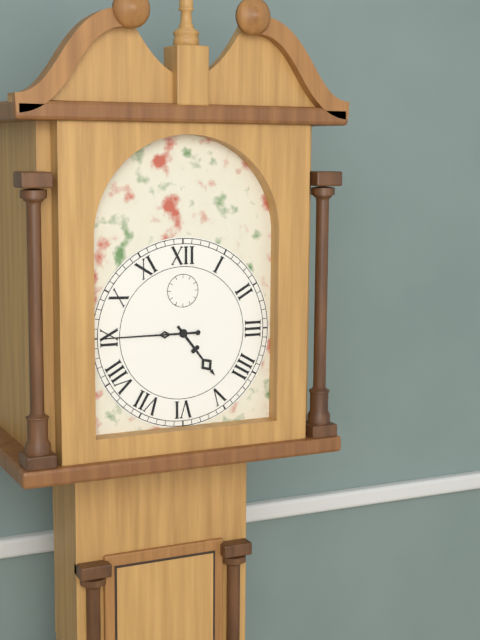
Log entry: {"hour": 4, "minute": 45}
